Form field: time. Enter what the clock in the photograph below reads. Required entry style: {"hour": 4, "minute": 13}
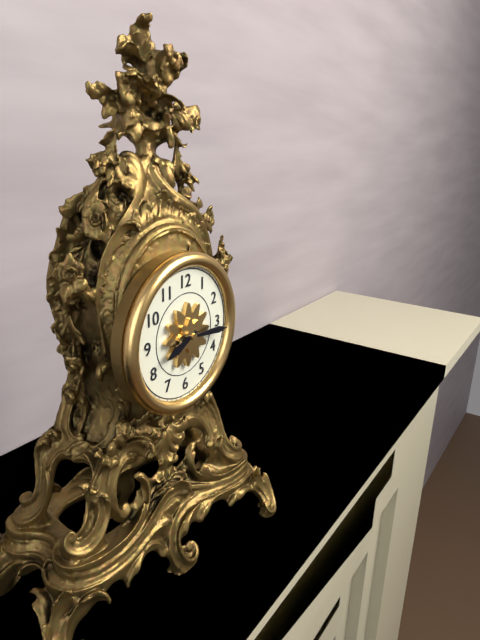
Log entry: {"hour": 8, "minute": 16}
